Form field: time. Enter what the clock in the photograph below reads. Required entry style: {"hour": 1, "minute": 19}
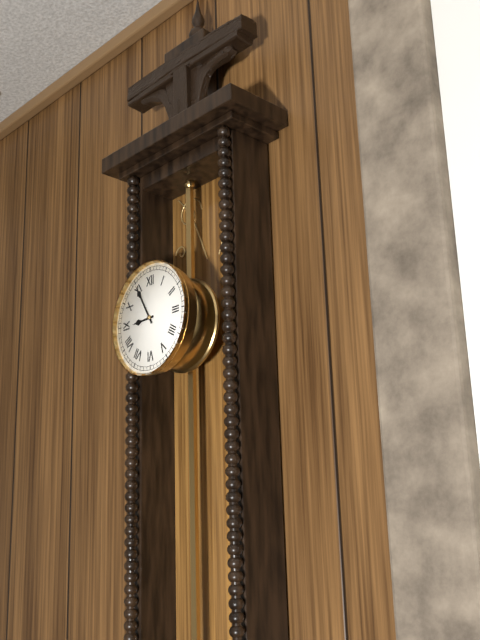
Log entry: {"hour": 8, "minute": 55}
